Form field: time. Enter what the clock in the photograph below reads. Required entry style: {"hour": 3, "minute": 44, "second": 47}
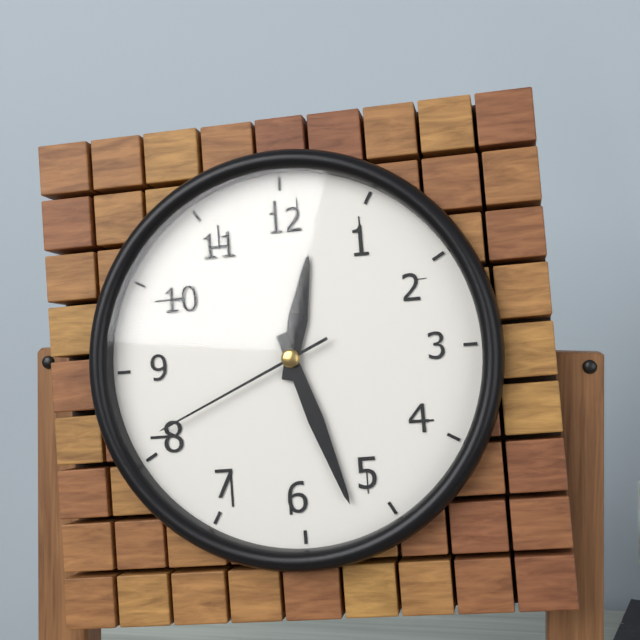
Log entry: {"hour": 12, "minute": 27, "second": 41}
